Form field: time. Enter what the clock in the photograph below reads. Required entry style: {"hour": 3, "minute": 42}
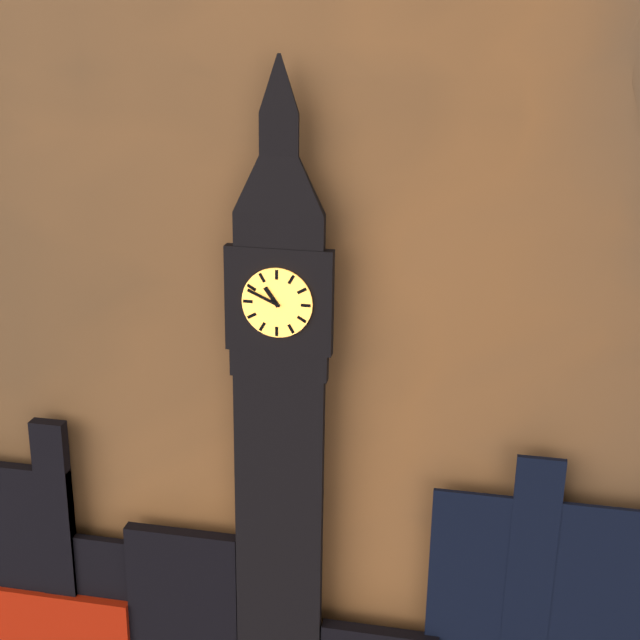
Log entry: {"hour": 10, "minute": 49}
